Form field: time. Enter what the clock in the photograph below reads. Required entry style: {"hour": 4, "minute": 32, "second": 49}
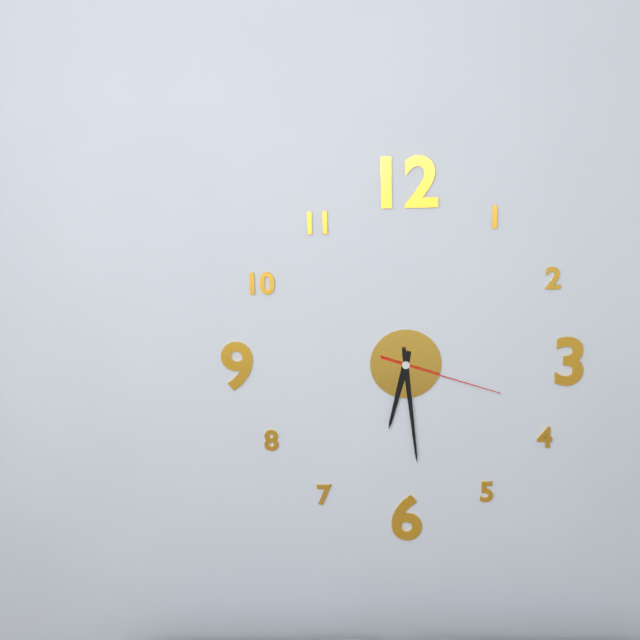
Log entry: {"hour": 6, "minute": 29, "second": 18}
